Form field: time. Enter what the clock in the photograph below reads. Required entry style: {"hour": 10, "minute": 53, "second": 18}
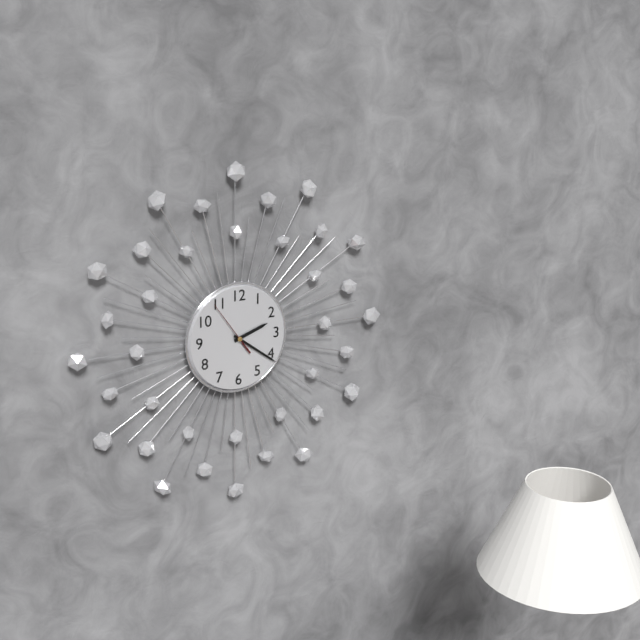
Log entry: {"hour": 2, "minute": 21, "second": 54}
